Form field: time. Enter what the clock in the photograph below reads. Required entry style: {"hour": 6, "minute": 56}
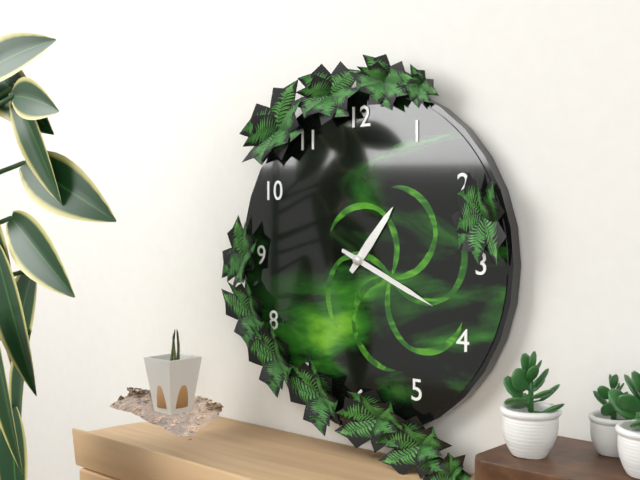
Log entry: {"hour": 1, "minute": 19}
